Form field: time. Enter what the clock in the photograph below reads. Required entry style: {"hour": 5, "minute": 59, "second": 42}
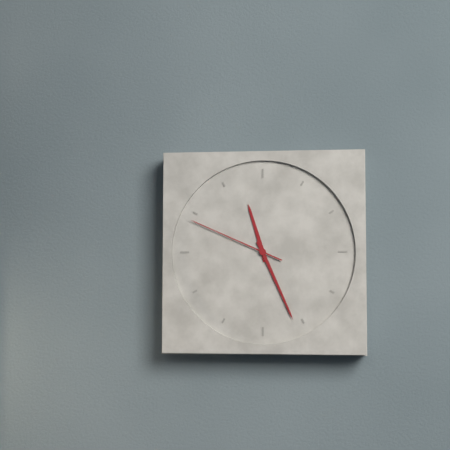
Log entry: {"hour": 11, "minute": 26, "second": 49}
